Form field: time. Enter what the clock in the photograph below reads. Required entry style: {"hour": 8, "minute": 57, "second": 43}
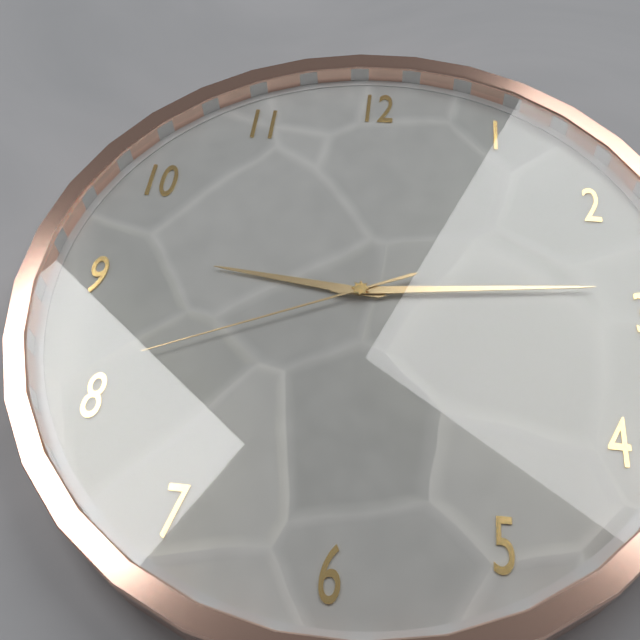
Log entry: {"hour": 9, "minute": 14, "second": 41}
